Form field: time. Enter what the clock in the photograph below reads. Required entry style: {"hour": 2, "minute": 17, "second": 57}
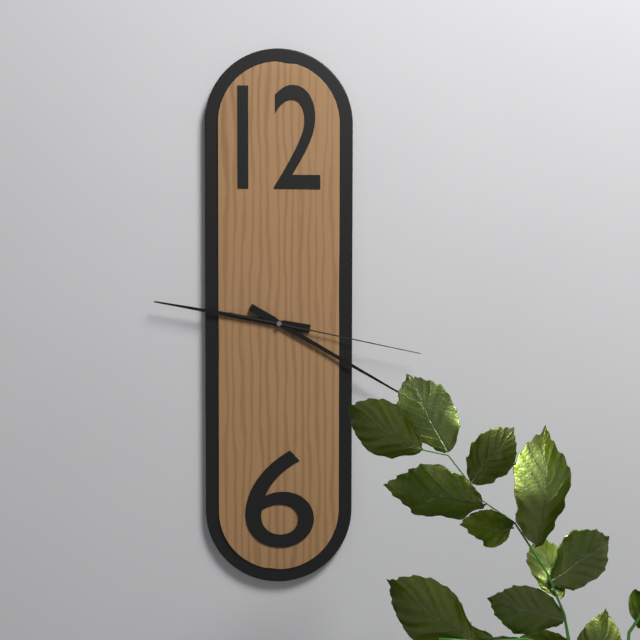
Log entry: {"hour": 9, "minute": 20, "second": 17}
